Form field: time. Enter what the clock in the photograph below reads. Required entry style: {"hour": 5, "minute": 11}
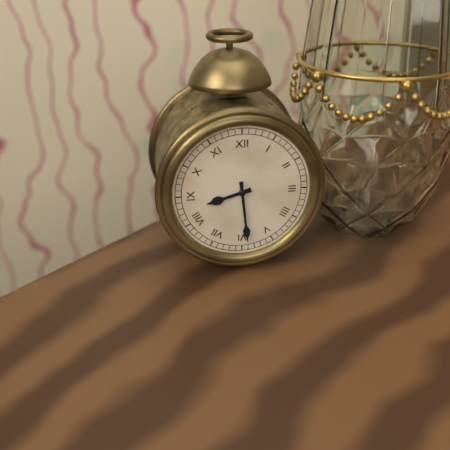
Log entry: {"hour": 8, "minute": 29}
